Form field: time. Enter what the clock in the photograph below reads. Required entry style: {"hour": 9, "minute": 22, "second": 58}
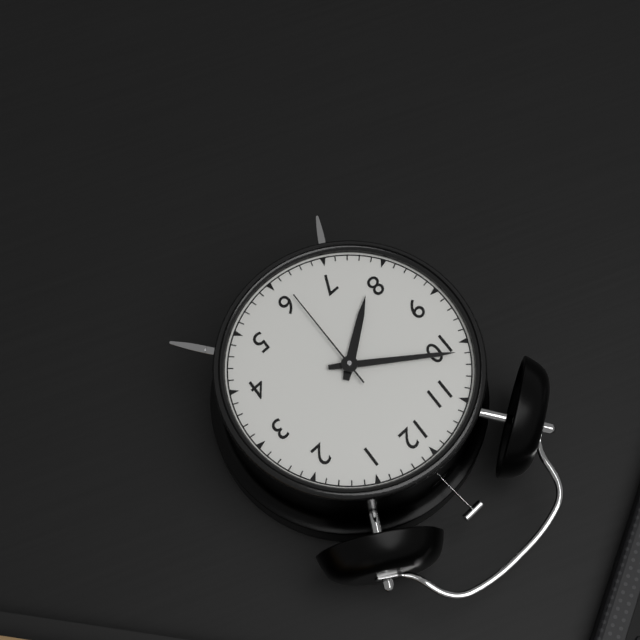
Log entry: {"hour": 7, "minute": 51, "second": 31}
